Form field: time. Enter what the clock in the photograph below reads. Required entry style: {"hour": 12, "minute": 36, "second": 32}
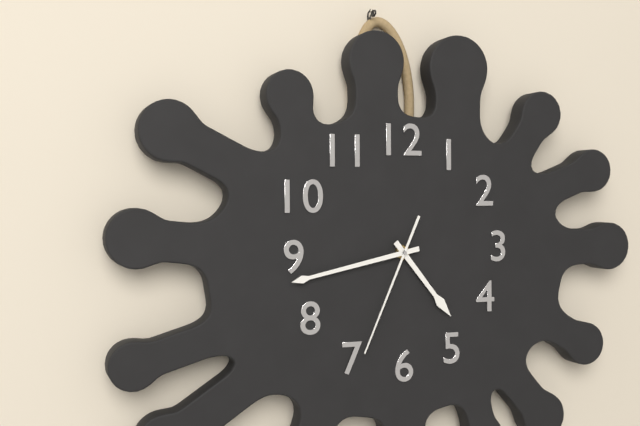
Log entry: {"hour": 4, "minute": 43, "second": 34}
